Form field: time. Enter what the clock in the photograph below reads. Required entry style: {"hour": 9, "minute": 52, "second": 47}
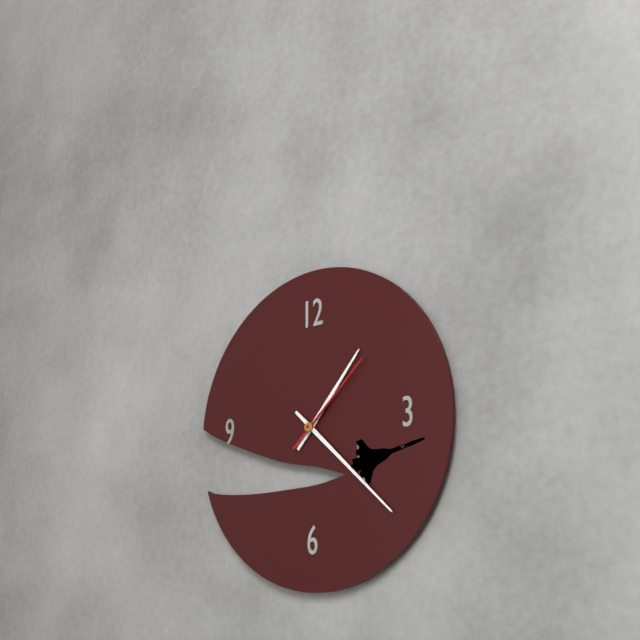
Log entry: {"hour": 1, "minute": 22, "second": 8}
